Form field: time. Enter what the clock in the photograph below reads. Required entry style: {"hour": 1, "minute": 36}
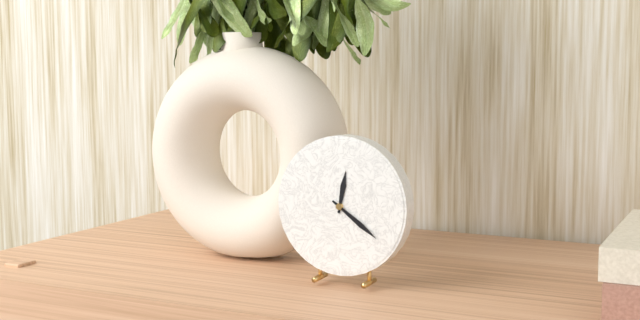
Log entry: {"hour": 12, "minute": 21}
